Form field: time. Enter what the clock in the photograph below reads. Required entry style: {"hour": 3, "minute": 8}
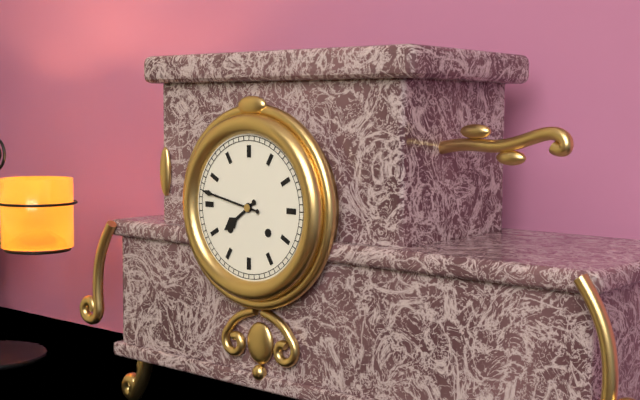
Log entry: {"hour": 7, "minute": 47}
